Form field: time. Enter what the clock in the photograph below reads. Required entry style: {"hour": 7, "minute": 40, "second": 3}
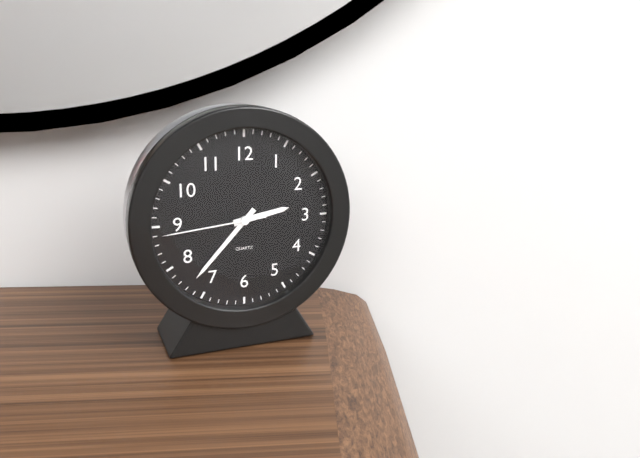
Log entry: {"hour": 2, "minute": 37, "second": 44}
